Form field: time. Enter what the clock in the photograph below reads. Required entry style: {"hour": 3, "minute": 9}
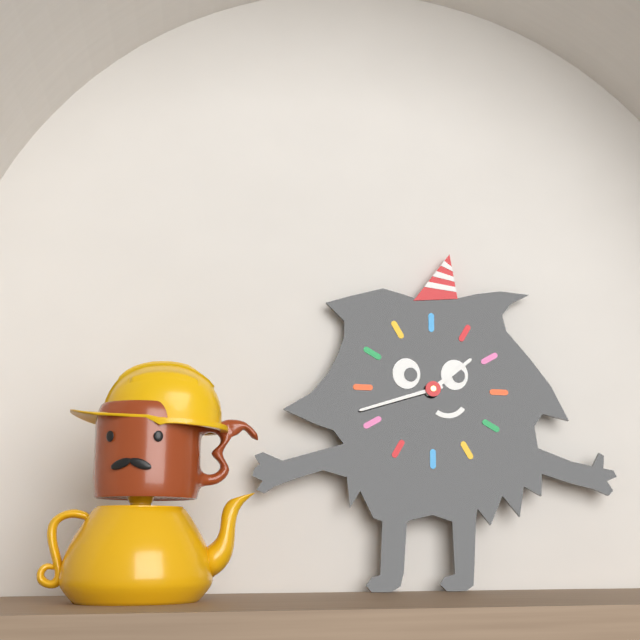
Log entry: {"hour": 1, "minute": 42}
